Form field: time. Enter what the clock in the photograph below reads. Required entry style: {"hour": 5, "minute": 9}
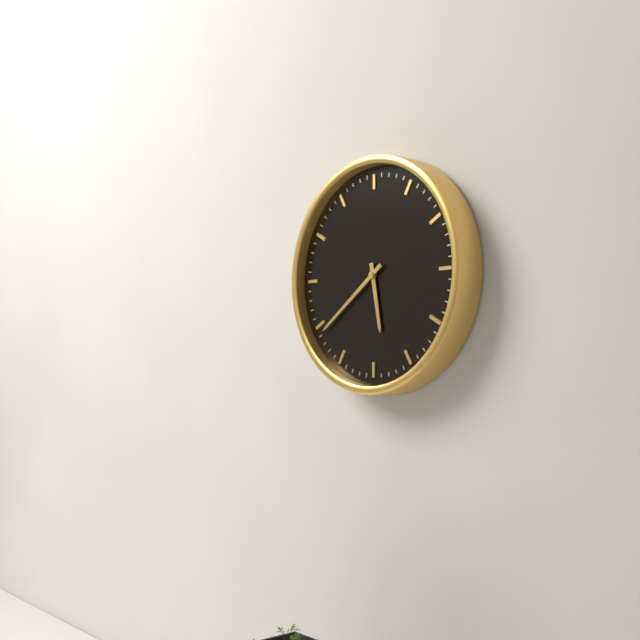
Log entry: {"hour": 5, "minute": 39}
